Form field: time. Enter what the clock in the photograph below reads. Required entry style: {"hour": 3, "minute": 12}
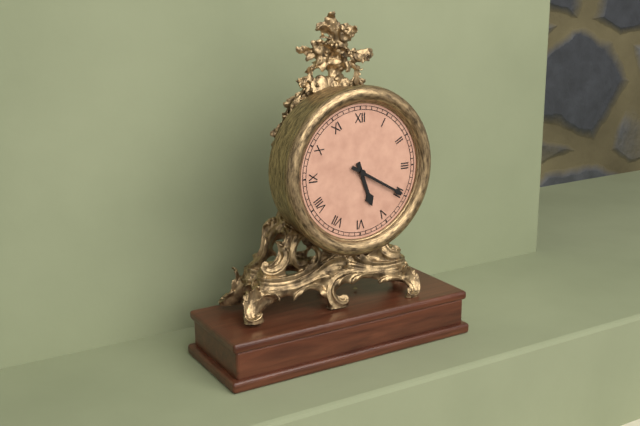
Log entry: {"hour": 5, "minute": 20}
